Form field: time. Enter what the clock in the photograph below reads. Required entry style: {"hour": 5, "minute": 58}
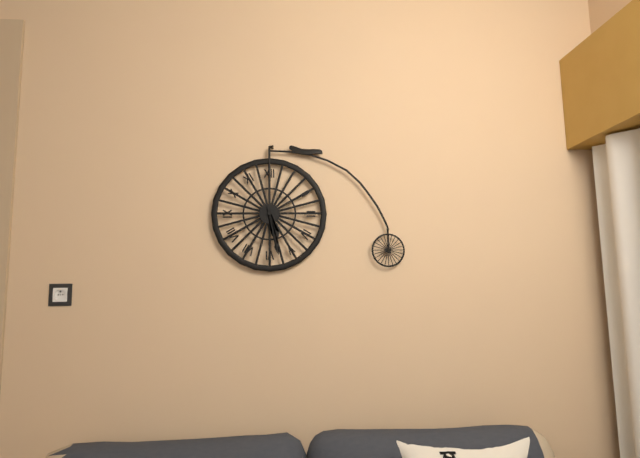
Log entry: {"hour": 5, "minute": 28}
